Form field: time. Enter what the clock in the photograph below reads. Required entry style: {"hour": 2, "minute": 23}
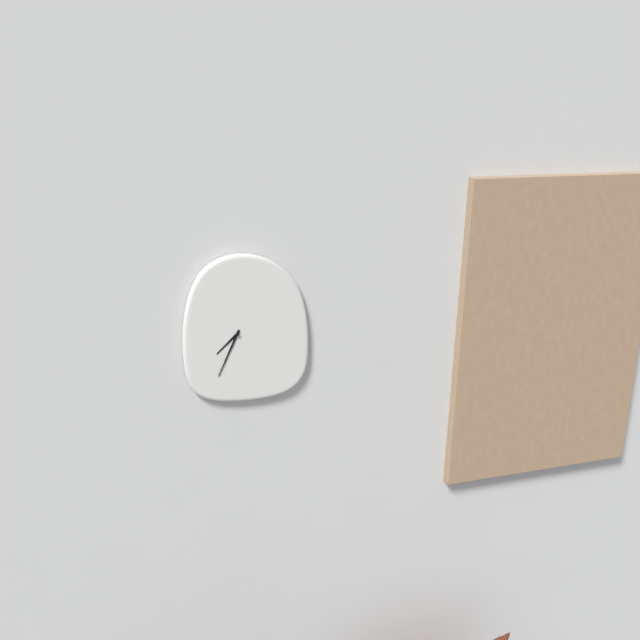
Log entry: {"hour": 7, "minute": 34}
